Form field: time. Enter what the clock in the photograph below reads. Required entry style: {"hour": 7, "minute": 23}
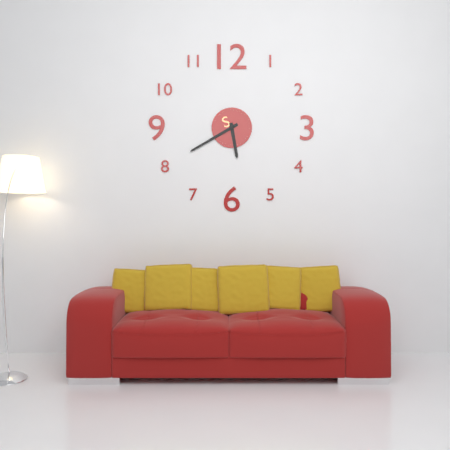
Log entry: {"hour": 5, "minute": 40}
